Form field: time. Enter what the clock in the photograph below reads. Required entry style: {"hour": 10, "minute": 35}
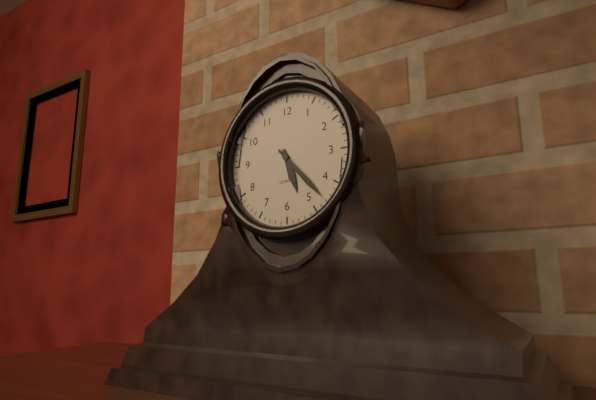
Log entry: {"hour": 5, "minute": 23}
